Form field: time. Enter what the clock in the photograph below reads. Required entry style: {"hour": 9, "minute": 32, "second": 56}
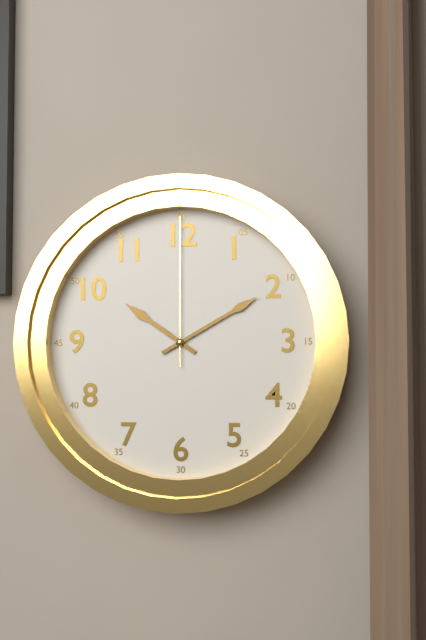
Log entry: {"hour": 10, "minute": 10, "second": 0}
